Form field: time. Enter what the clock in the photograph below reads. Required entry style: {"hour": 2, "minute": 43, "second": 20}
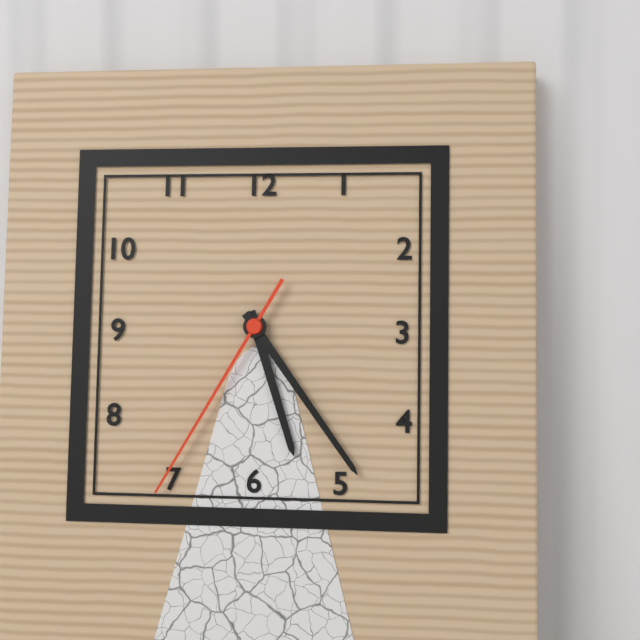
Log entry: {"hour": 5, "minute": 24, "second": 35}
